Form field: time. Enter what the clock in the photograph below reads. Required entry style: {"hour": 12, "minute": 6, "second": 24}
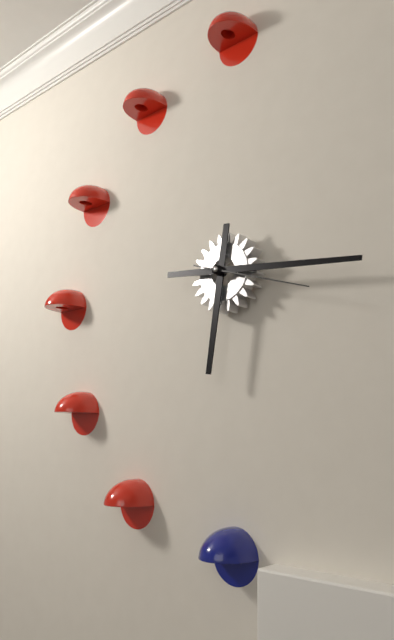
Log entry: {"hour": 6, "minute": 16, "second": 18}
